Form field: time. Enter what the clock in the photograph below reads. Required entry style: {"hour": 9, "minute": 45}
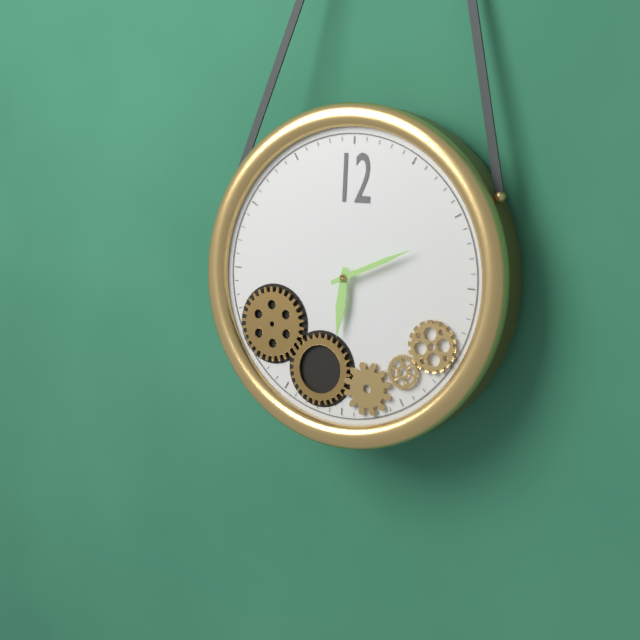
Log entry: {"hour": 6, "minute": 11}
